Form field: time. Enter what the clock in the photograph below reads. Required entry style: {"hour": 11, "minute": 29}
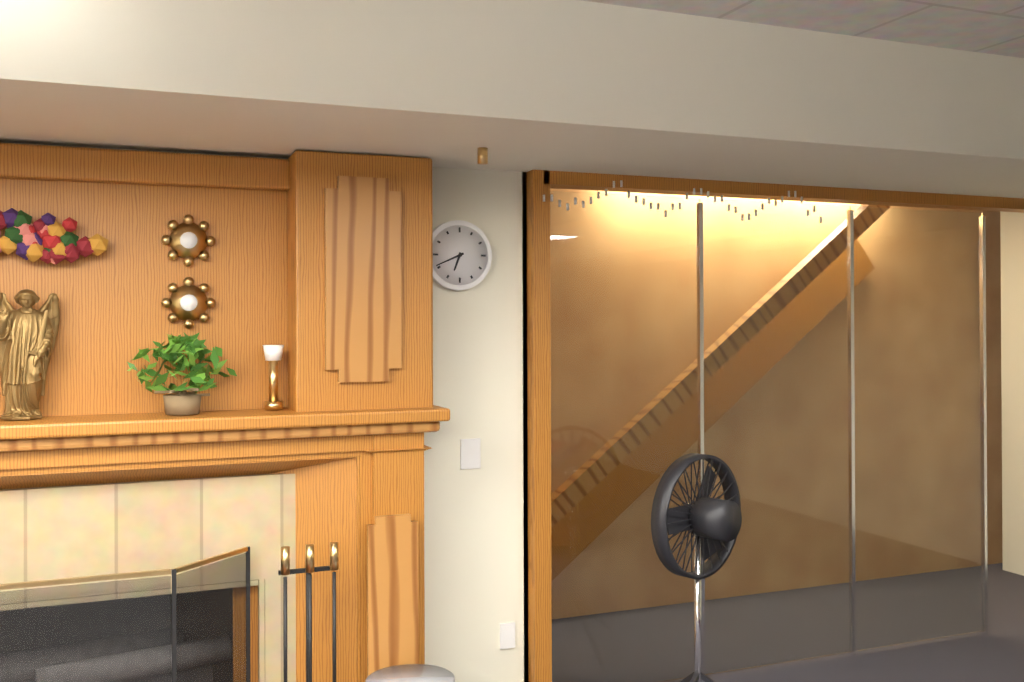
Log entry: {"hour": 6, "minute": 41}
